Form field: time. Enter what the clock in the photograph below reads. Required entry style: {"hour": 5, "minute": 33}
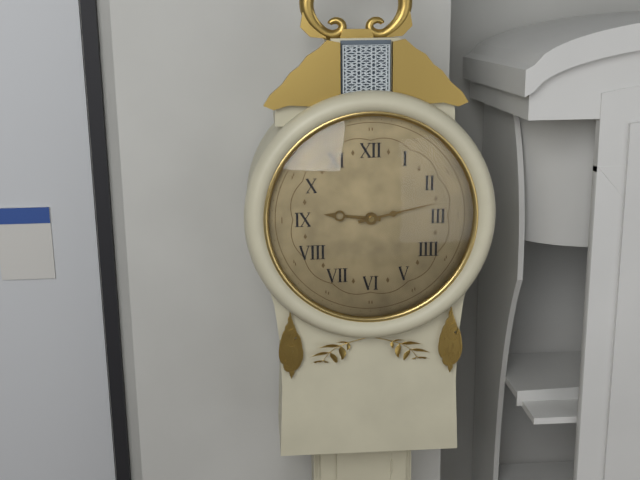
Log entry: {"hour": 9, "minute": 13}
